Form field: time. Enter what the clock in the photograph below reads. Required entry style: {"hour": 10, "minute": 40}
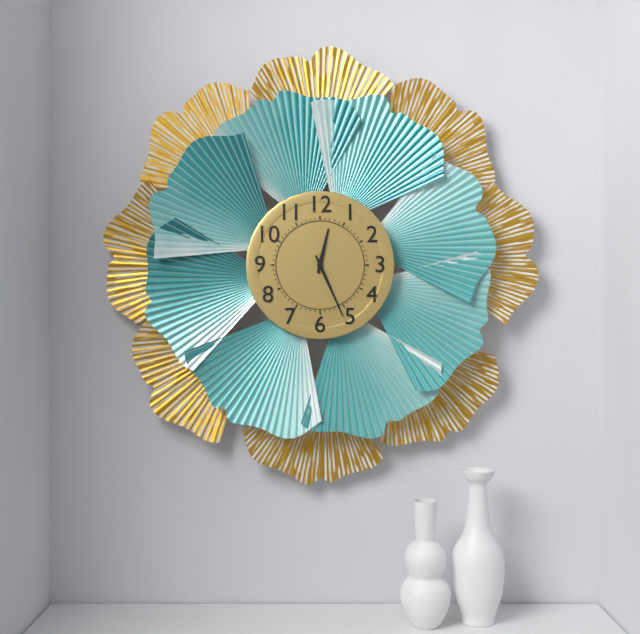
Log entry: {"hour": 12, "minute": 26}
